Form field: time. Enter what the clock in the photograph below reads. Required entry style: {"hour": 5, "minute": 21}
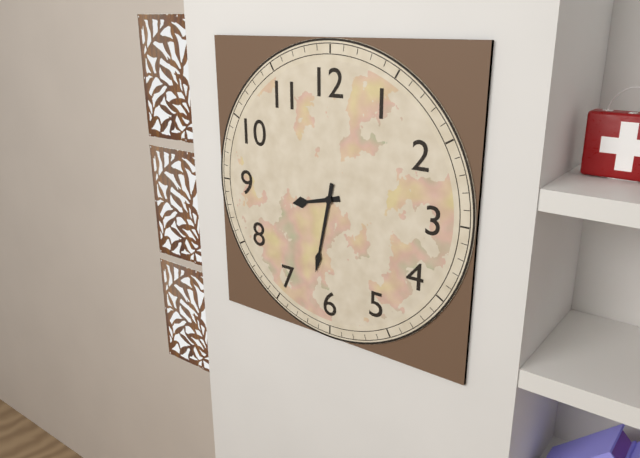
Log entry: {"hour": 8, "minute": 32}
